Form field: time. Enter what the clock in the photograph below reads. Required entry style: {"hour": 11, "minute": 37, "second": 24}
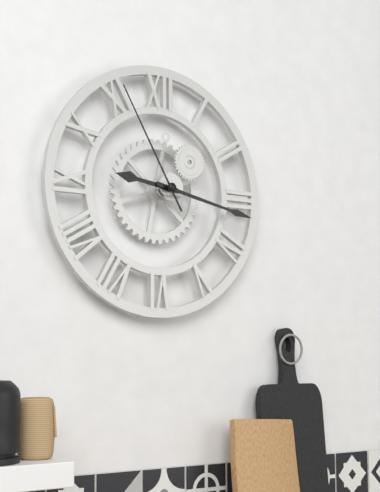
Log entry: {"hour": 9, "minute": 17, "second": 55}
